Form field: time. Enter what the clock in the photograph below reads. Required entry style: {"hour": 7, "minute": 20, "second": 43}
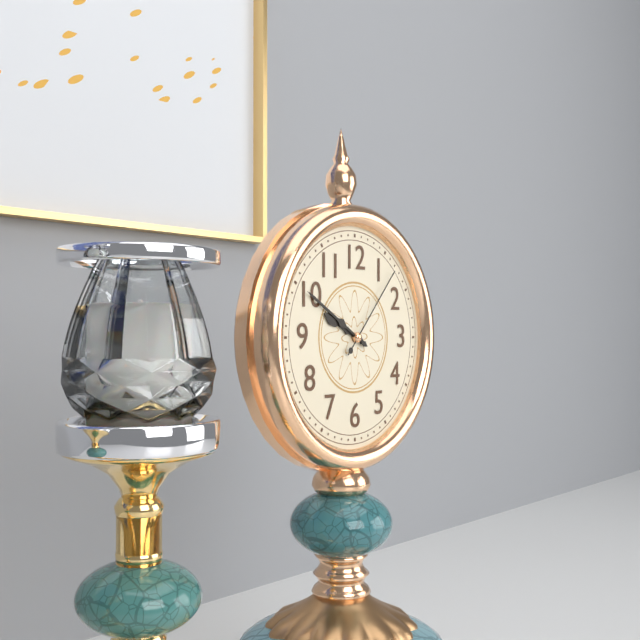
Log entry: {"hour": 9, "minute": 50, "second": 7}
